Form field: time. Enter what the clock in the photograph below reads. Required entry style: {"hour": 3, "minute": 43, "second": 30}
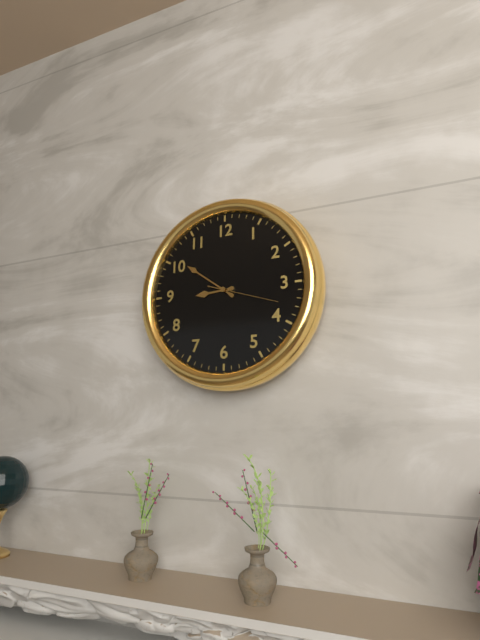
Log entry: {"hour": 8, "minute": 51, "second": 18}
